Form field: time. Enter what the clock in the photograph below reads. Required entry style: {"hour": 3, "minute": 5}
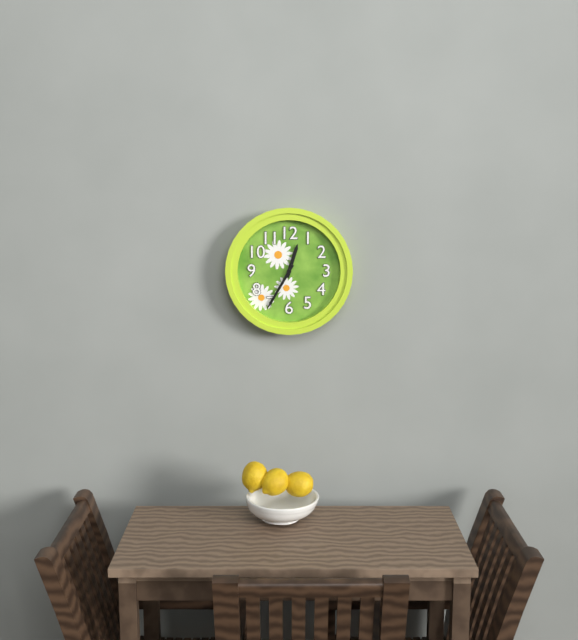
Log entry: {"hour": 12, "minute": 35}
